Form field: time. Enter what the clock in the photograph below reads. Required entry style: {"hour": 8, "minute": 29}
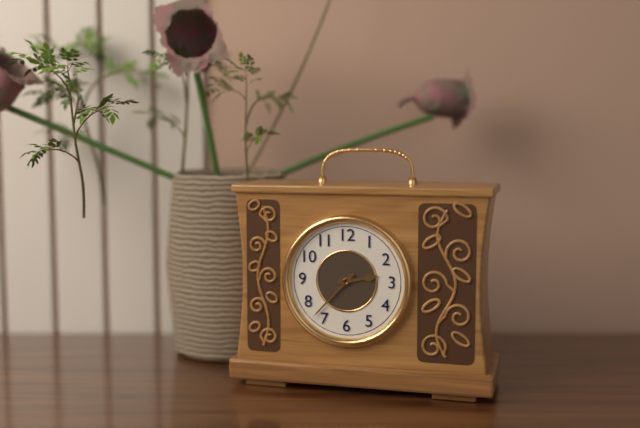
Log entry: {"hour": 2, "minute": 37}
